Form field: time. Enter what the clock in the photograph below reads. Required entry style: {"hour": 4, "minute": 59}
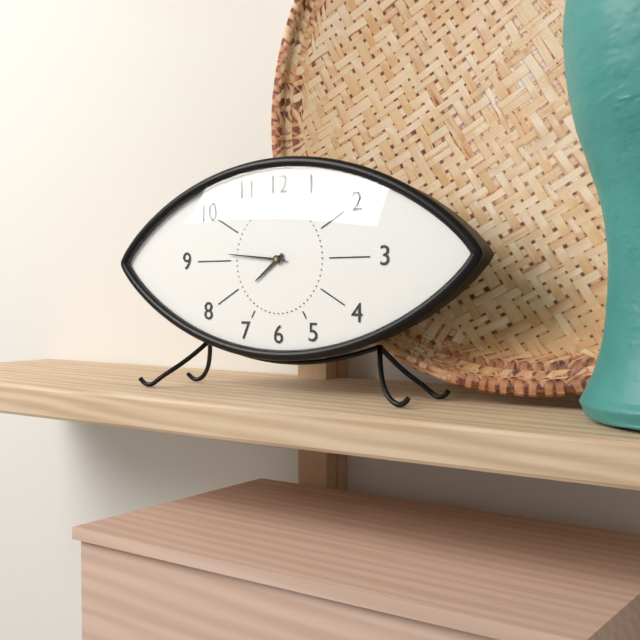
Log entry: {"hour": 7, "minute": 46}
